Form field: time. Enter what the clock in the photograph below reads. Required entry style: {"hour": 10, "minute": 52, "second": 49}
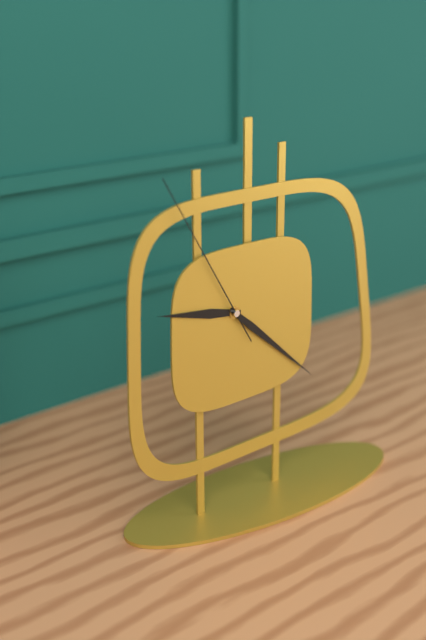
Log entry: {"hour": 9, "minute": 22, "second": 55}
